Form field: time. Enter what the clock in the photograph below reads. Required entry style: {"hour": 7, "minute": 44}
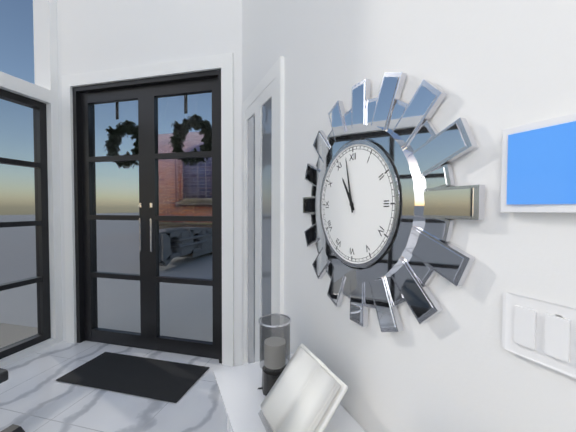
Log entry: {"hour": 10, "minute": 58}
